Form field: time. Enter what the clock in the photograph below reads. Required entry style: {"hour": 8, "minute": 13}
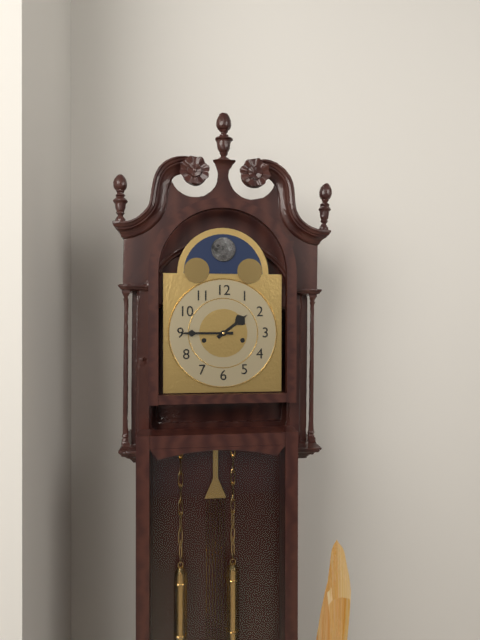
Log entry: {"hour": 1, "minute": 45}
